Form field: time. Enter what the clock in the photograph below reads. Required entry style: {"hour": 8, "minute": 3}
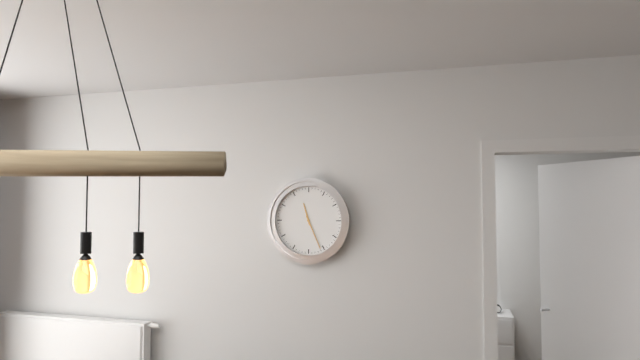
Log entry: {"hour": 11, "minute": 26}
